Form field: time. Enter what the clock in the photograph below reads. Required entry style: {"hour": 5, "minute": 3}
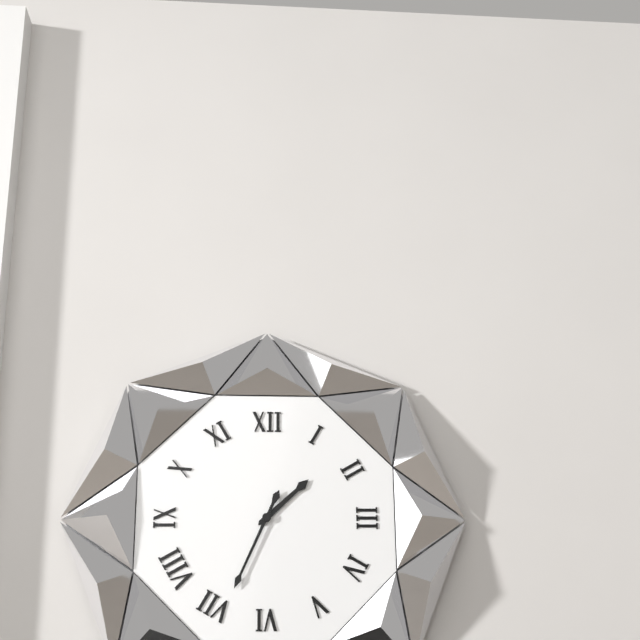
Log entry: {"hour": 1, "minute": 34}
